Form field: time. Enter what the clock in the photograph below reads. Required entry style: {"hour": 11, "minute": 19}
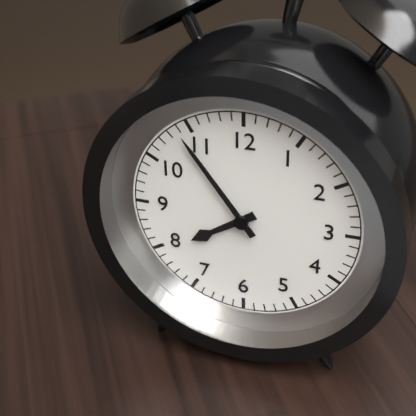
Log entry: {"hour": 7, "minute": 54}
